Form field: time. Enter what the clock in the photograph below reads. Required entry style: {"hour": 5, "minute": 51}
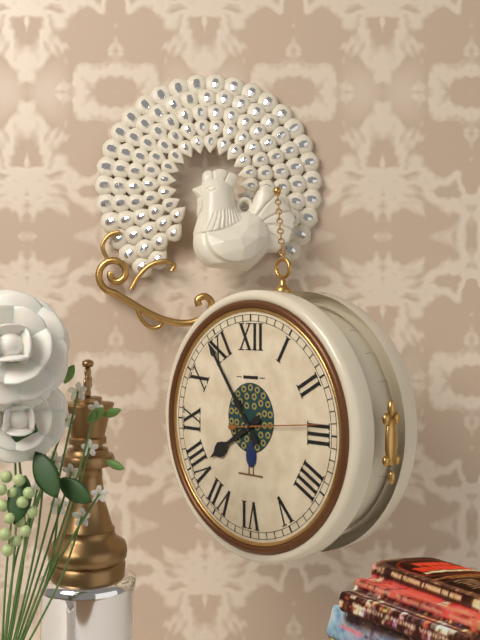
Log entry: {"hour": 7, "minute": 54}
